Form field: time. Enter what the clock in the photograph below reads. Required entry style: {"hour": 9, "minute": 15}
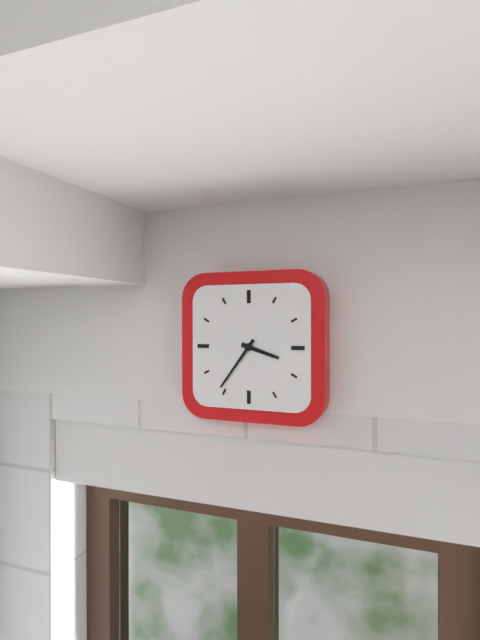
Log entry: {"hour": 3, "minute": 36}
